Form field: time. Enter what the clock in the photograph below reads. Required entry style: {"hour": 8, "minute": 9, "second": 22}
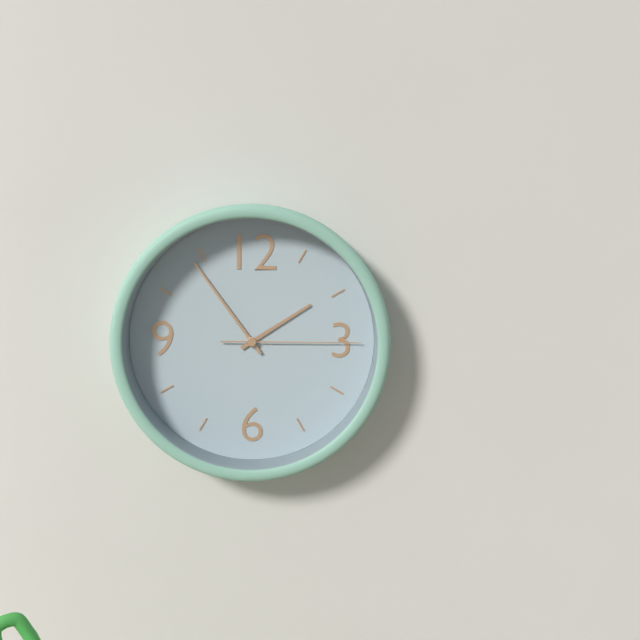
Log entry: {"hour": 1, "minute": 54, "second": 15}
